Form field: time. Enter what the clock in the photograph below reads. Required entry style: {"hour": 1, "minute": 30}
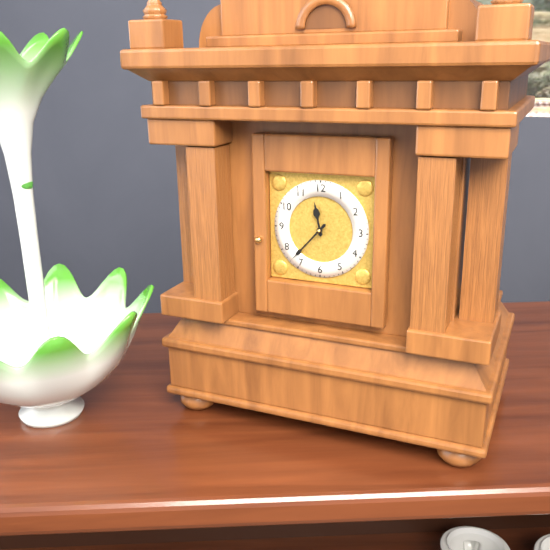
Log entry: {"hour": 11, "minute": 37}
